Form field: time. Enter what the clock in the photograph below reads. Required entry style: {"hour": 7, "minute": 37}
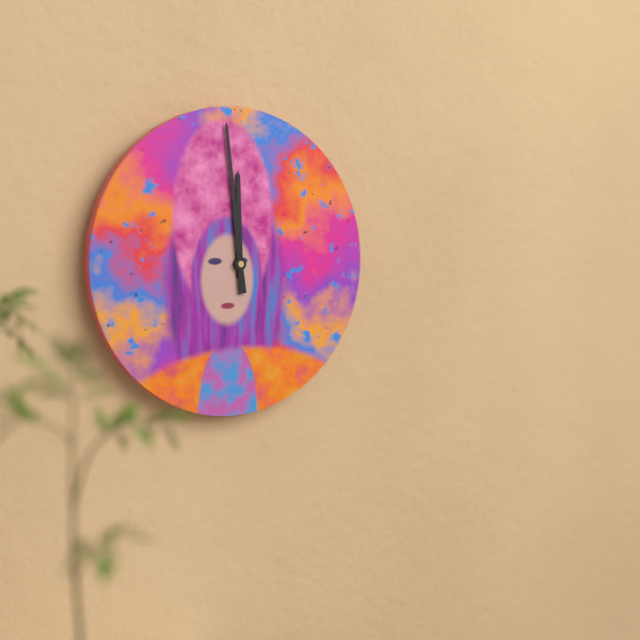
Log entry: {"hour": 11, "minute": 59}
